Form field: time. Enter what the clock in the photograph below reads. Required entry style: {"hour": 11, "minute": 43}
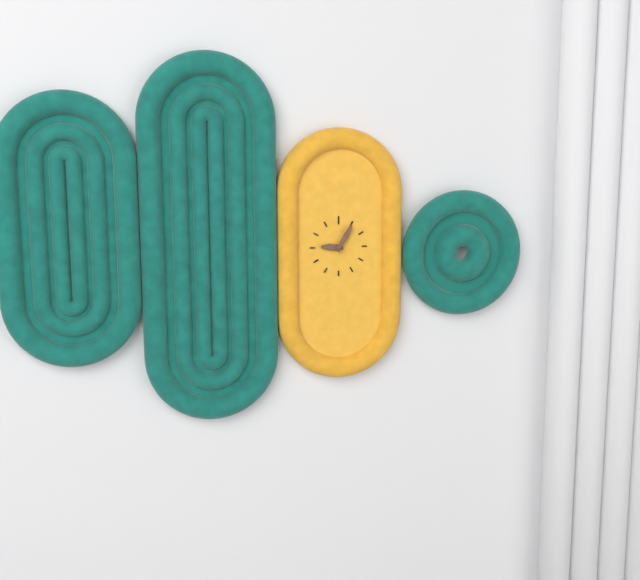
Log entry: {"hour": 9, "minute": 5}
